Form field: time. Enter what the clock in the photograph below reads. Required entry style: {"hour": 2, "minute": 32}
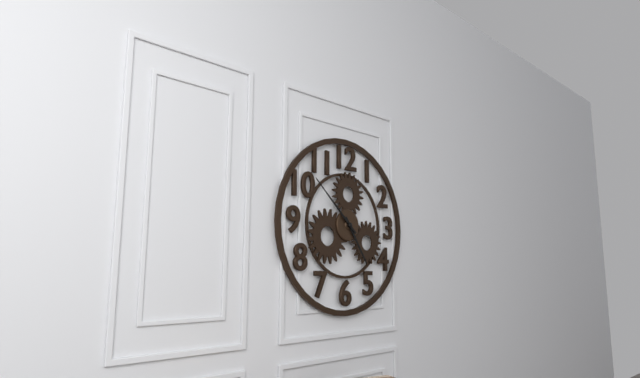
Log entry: {"hour": 4, "minute": 52}
